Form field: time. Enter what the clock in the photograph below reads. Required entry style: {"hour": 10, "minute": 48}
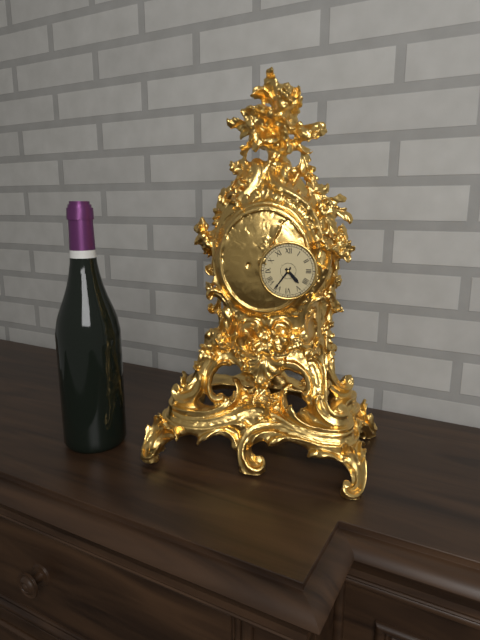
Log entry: {"hour": 4, "minute": 36}
